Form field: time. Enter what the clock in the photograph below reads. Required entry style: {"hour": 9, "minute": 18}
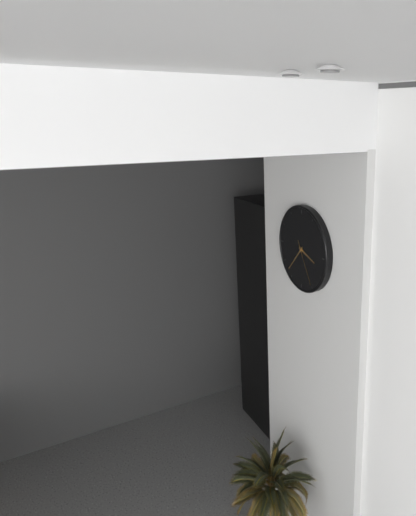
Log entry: {"hour": 3, "minute": 37}
